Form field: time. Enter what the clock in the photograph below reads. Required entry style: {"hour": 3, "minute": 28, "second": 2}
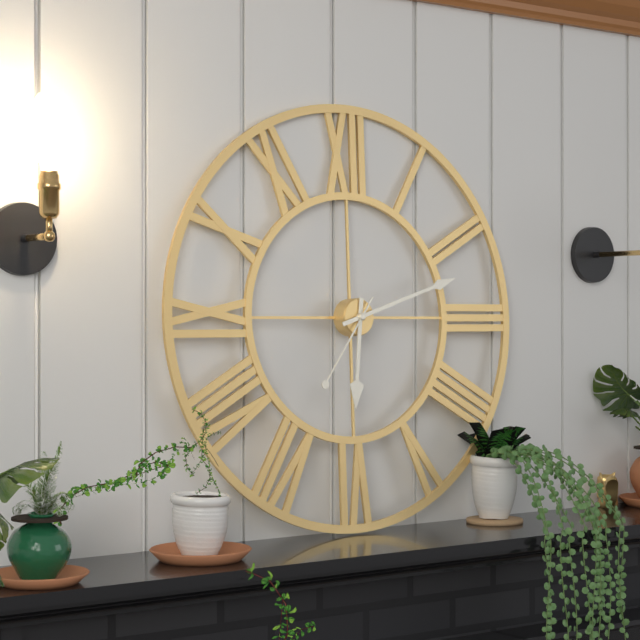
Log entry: {"hour": 6, "minute": 12, "second": 36}
